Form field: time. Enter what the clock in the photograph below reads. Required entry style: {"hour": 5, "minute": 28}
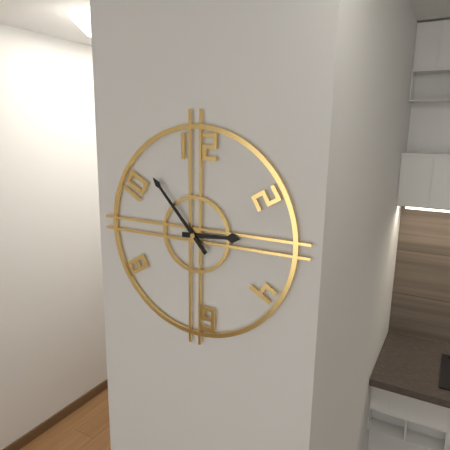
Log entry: {"hour": 2, "minute": 53}
